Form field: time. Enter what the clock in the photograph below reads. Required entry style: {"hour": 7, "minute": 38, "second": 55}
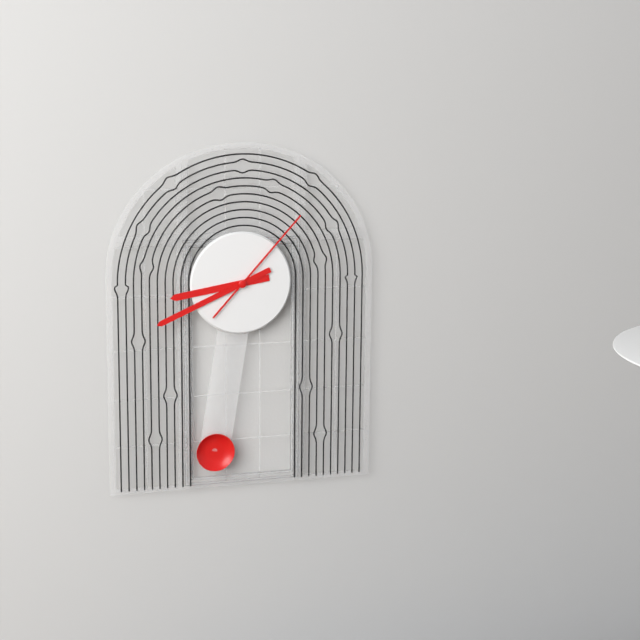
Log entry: {"hour": 8, "minute": 41, "second": 7}
